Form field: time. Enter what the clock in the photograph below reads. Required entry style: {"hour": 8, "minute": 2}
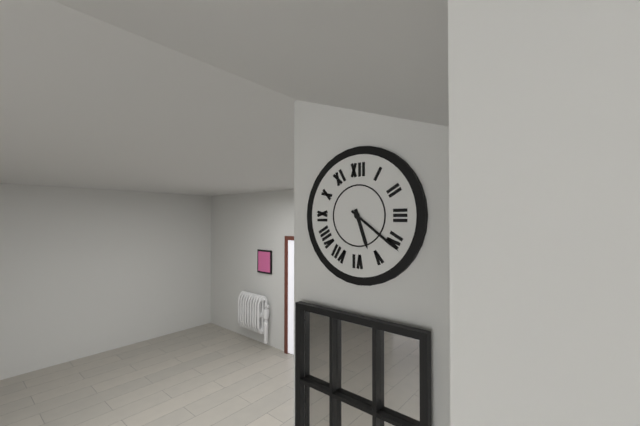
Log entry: {"hour": 5, "minute": 21}
